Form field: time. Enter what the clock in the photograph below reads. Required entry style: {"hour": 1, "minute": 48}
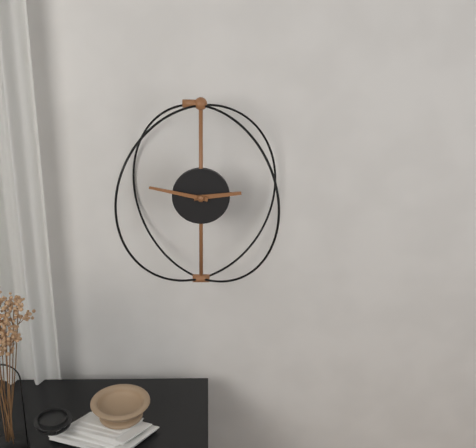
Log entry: {"hour": 2, "minute": 47}
